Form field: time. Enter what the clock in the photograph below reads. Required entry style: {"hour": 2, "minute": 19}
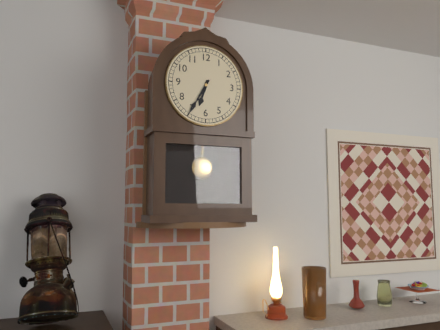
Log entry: {"hour": 6, "minute": 35}
